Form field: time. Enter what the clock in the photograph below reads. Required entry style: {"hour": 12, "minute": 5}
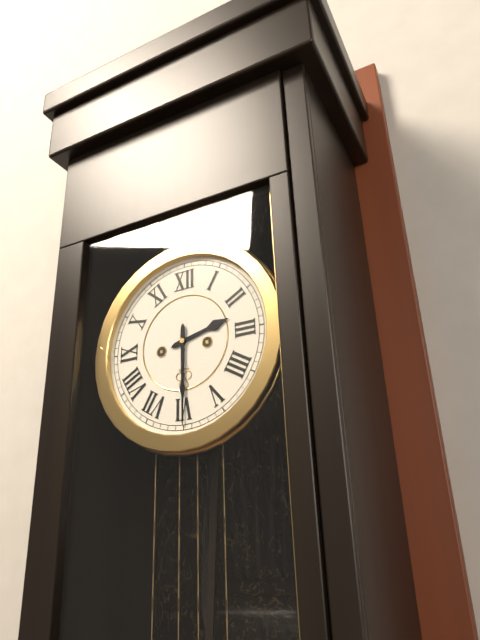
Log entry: {"hour": 2, "minute": 30}
